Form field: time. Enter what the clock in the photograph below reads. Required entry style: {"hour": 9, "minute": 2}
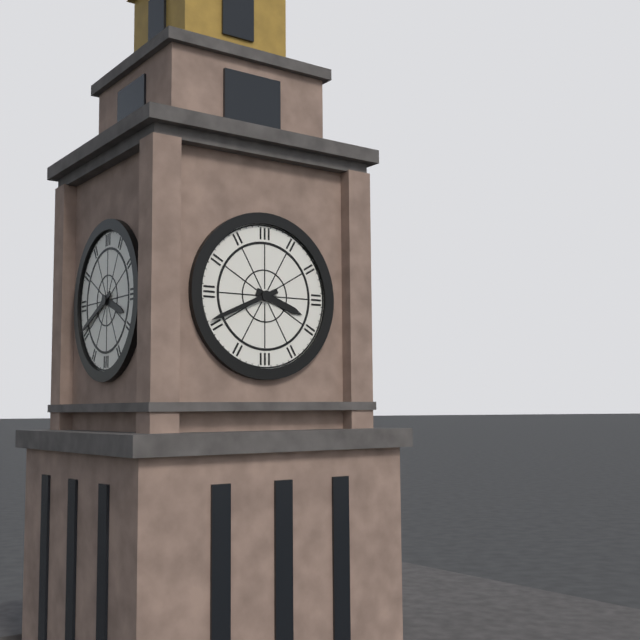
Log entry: {"hour": 3, "minute": 41}
